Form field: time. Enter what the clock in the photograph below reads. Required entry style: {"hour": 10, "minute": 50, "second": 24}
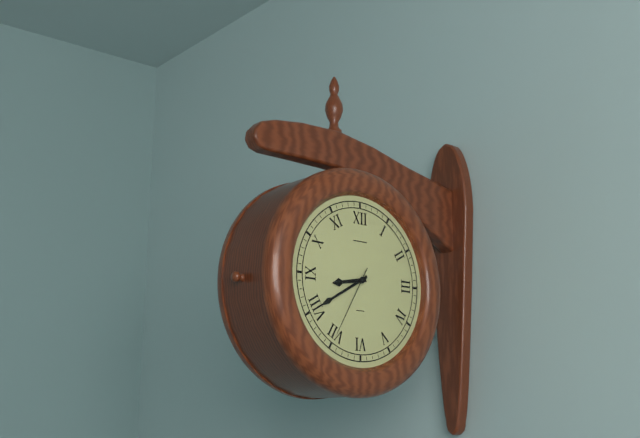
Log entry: {"hour": 8, "minute": 40, "second": 35}
